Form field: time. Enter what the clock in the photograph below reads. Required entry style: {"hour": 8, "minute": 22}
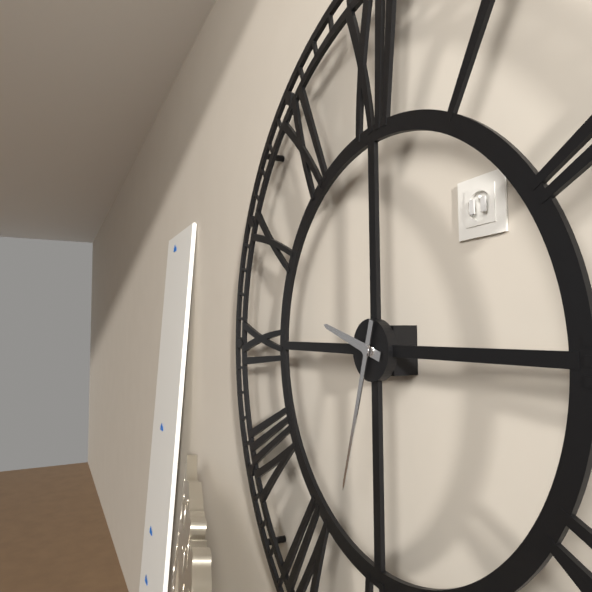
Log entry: {"hour": 9, "minute": 33}
